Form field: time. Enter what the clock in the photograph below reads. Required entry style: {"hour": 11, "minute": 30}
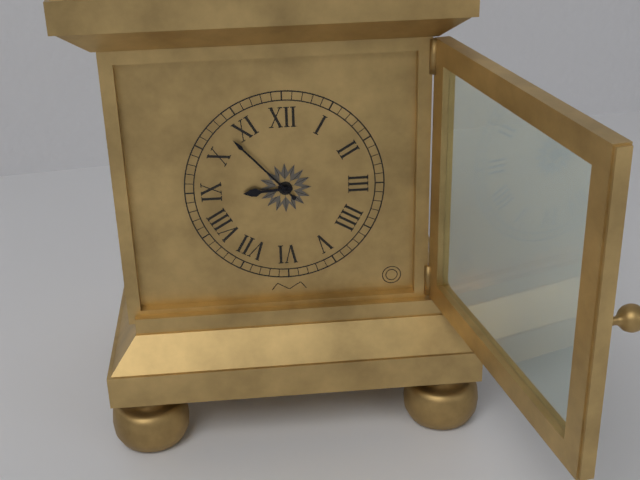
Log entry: {"hour": 8, "minute": 53}
